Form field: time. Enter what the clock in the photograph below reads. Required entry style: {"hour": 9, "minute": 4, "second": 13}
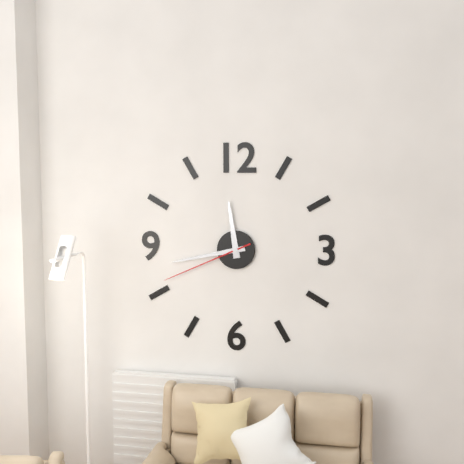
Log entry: {"hour": 11, "minute": 43, "second": 41}
